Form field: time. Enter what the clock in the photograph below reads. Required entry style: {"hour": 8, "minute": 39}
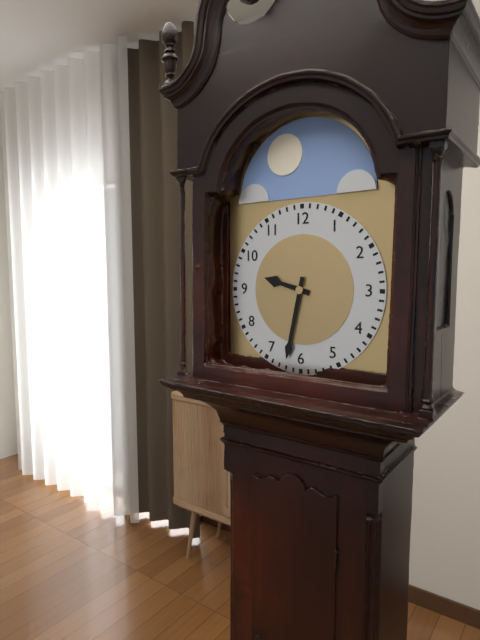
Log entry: {"hour": 9, "minute": 32}
